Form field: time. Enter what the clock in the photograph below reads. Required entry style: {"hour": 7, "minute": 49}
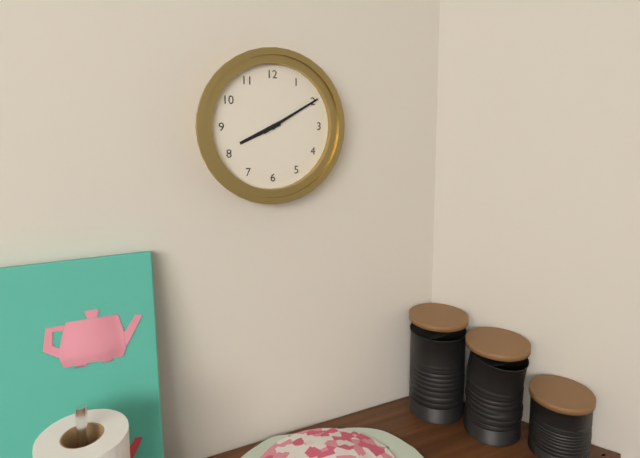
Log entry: {"hour": 8, "minute": 10}
